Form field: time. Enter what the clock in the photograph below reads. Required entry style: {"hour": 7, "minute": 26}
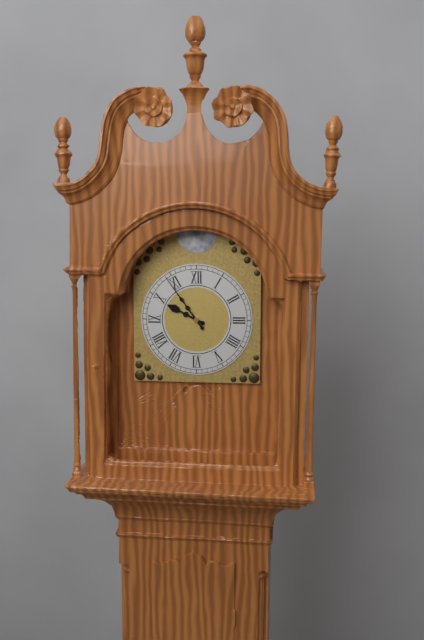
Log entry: {"hour": 9, "minute": 54}
